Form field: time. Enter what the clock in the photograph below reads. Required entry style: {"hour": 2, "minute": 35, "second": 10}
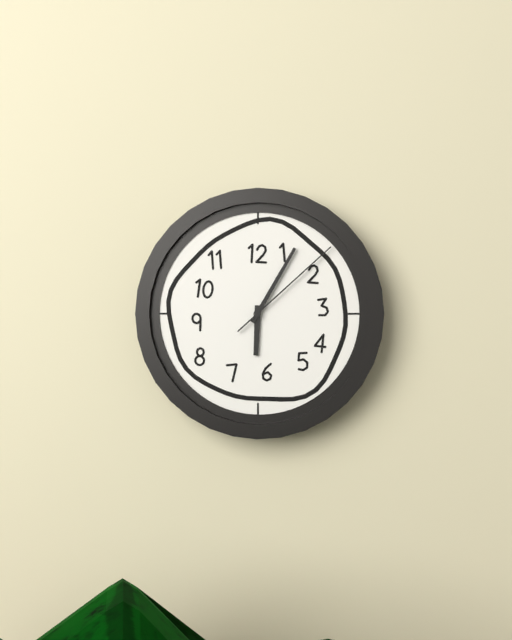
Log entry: {"hour": 6, "minute": 5, "second": 8}
